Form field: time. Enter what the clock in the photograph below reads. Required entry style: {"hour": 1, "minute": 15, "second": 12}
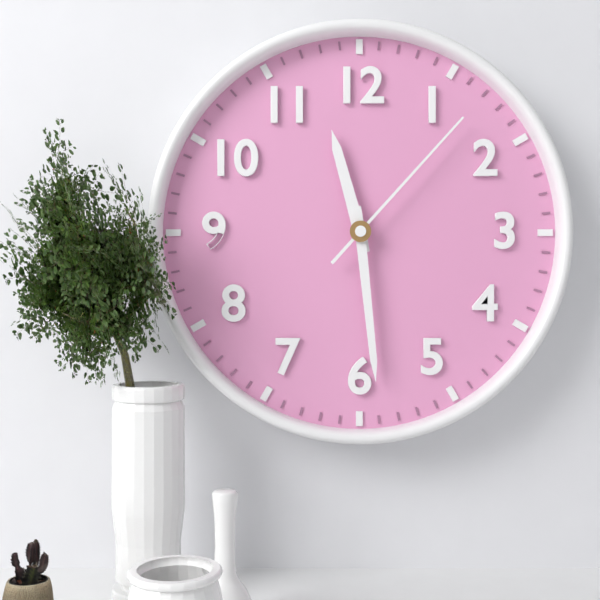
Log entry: {"hour": 11, "minute": 29, "second": 7}
